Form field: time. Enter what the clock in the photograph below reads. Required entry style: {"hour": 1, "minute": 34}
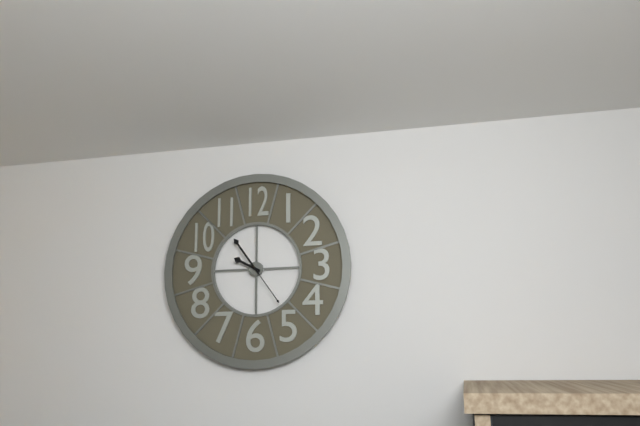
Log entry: {"hour": 9, "minute": 54}
